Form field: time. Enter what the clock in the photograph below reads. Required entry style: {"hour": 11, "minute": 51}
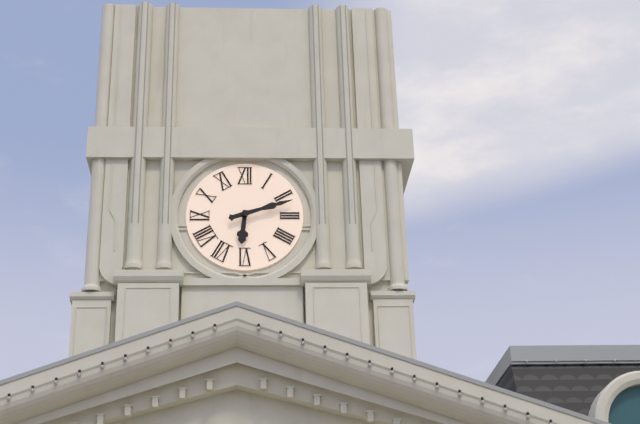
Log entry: {"hour": 6, "minute": 12}
